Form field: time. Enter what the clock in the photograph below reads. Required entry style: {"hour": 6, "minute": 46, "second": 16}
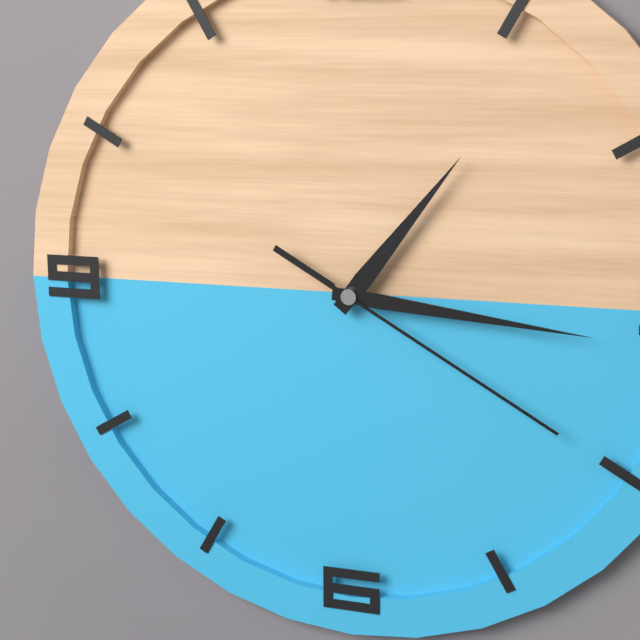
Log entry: {"hour": 1, "minute": 16, "second": 20}
